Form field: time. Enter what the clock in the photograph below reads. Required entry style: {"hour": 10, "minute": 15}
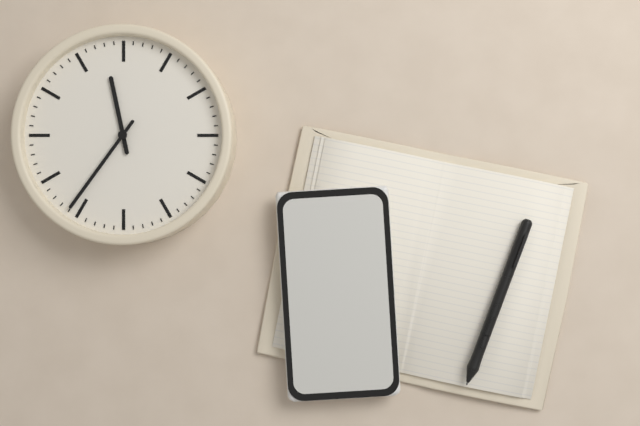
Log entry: {"hour": 11, "minute": 36}
